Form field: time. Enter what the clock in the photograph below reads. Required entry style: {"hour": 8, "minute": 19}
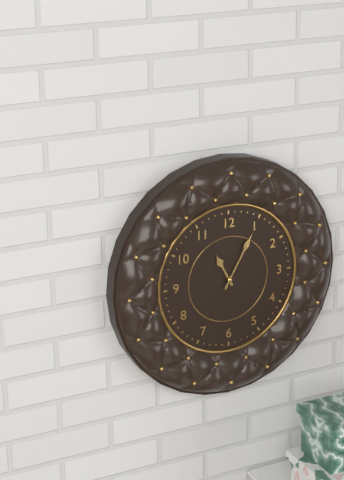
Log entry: {"hour": 11, "minute": 5}
